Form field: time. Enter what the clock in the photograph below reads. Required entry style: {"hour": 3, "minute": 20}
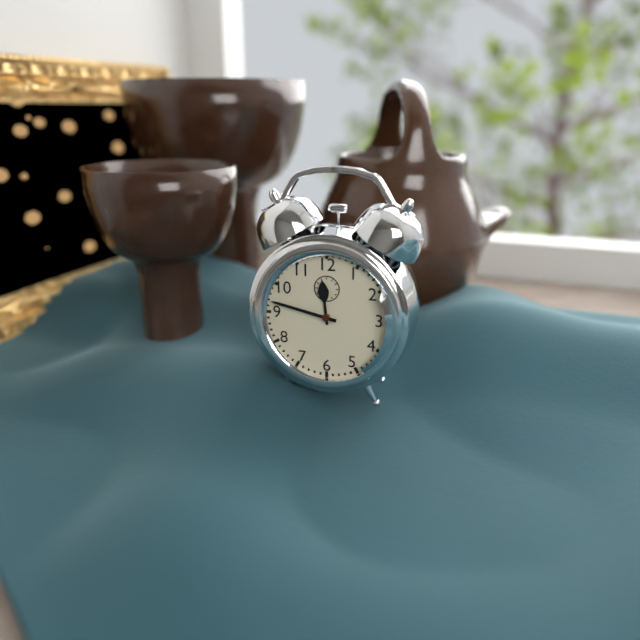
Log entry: {"hour": 11, "minute": 47}
